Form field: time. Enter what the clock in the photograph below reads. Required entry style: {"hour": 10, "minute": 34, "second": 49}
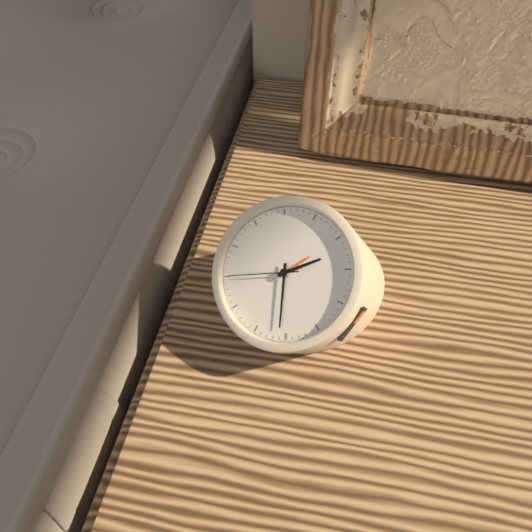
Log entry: {"hour": 1, "minute": 26, "second": 40}
